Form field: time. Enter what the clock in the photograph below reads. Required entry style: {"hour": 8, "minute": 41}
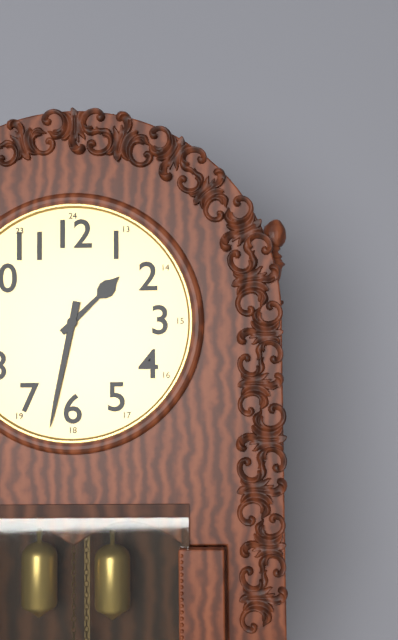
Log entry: {"hour": 1, "minute": 32}
